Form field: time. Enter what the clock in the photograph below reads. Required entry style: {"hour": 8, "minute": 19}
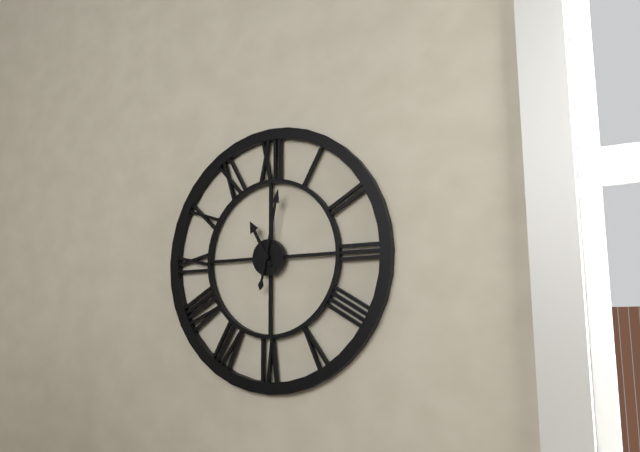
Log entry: {"hour": 11, "minute": 2}
